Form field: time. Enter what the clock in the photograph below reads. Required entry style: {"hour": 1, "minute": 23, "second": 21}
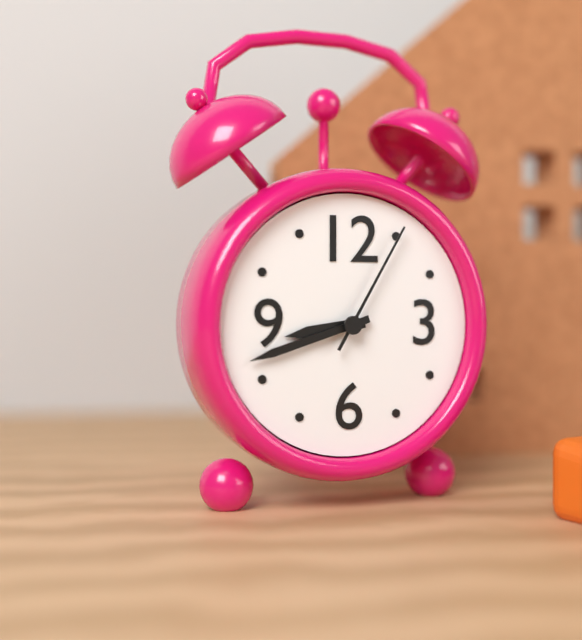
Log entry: {"hour": 8, "minute": 42, "second": 5}
